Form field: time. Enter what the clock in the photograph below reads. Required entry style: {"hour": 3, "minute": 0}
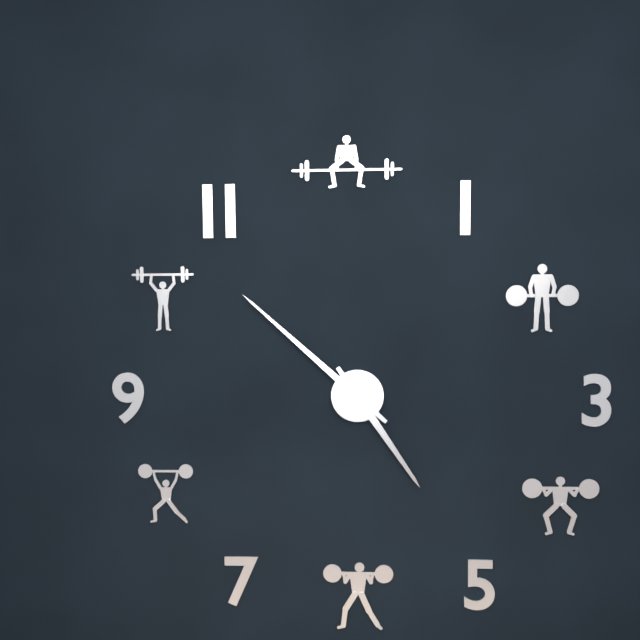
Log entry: {"hour": 4, "minute": 52}
